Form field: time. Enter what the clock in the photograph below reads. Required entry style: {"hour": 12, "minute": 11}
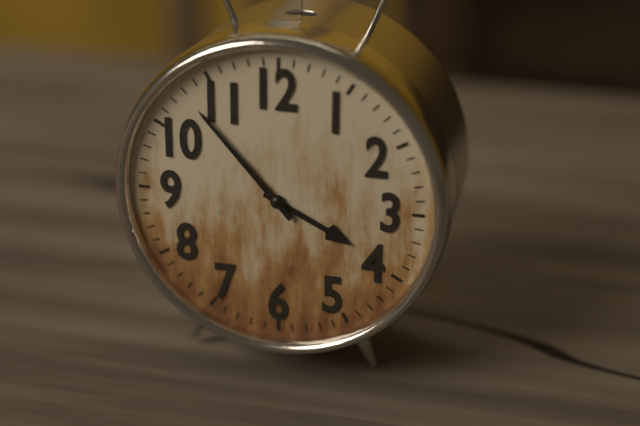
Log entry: {"hour": 3, "minute": 53}
